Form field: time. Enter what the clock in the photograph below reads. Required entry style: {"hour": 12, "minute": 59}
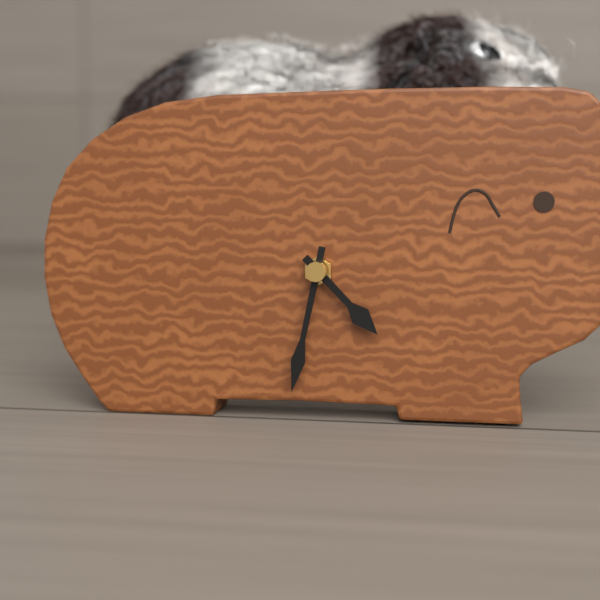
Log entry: {"hour": 4, "minute": 32}
